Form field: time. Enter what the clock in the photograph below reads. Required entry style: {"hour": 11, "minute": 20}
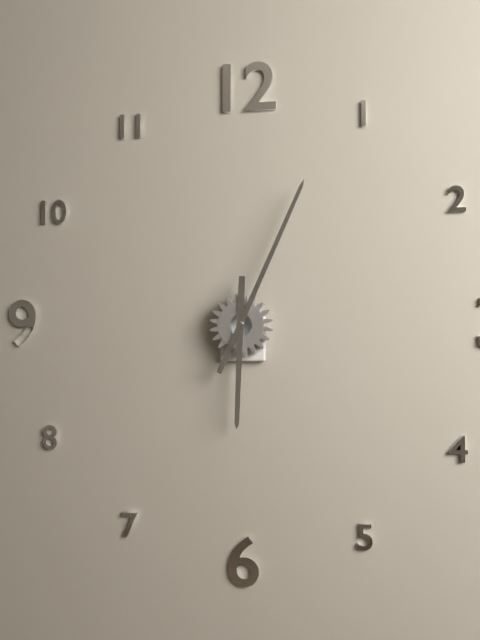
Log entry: {"hour": 6, "minute": 4}
